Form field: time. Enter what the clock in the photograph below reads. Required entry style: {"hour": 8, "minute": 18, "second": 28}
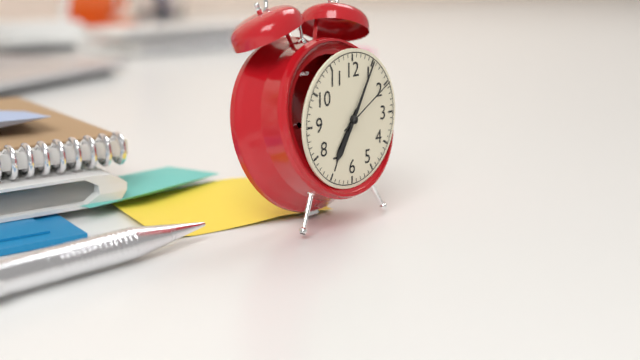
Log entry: {"hour": 7, "minute": 5, "second": 10}
